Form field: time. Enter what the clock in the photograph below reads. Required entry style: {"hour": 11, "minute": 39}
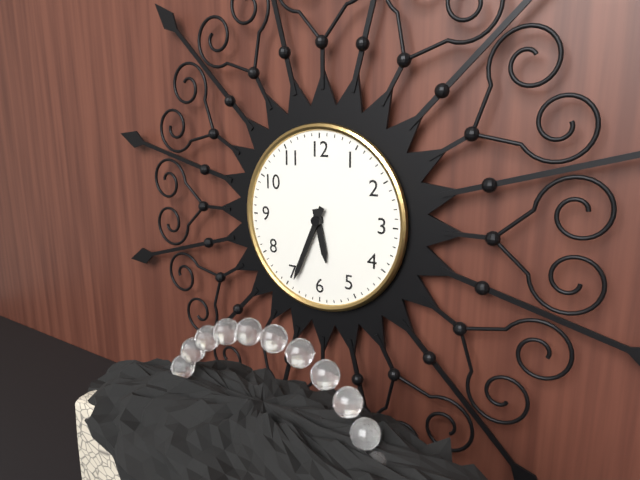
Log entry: {"hour": 5, "minute": 34}
